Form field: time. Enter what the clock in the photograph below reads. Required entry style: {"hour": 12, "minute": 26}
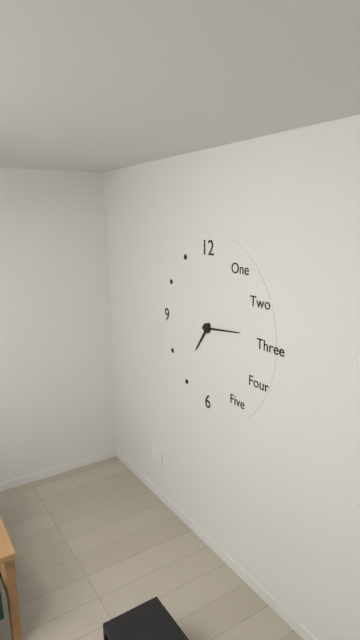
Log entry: {"hour": 7, "minute": 14}
